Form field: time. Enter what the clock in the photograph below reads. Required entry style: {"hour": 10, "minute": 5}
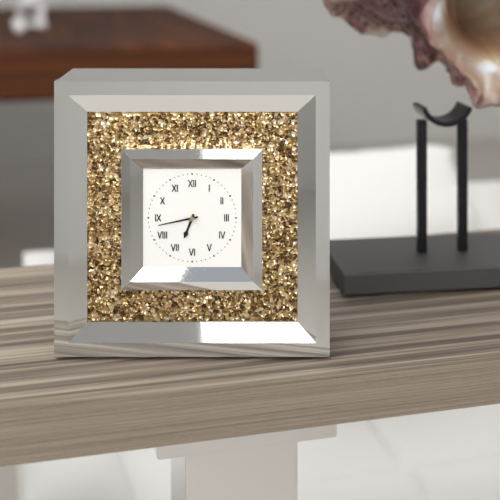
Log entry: {"hour": 6, "minute": 43}
